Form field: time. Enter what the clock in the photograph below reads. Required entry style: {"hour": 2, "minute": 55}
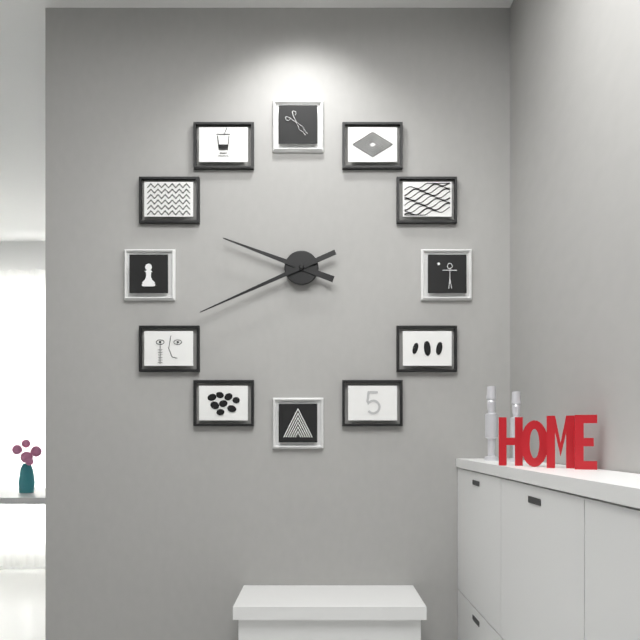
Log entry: {"hour": 9, "minute": 41}
